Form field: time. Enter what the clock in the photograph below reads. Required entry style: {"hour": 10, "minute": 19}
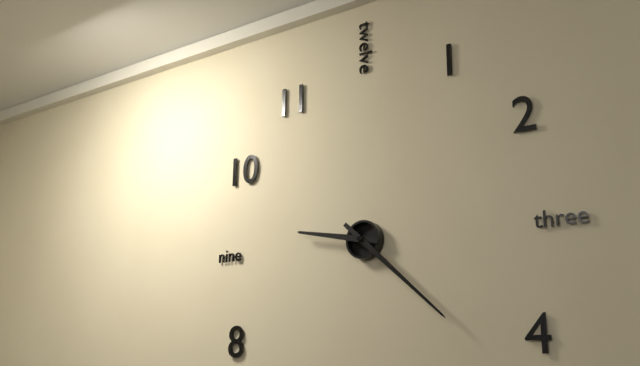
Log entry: {"hour": 9, "minute": 22}
